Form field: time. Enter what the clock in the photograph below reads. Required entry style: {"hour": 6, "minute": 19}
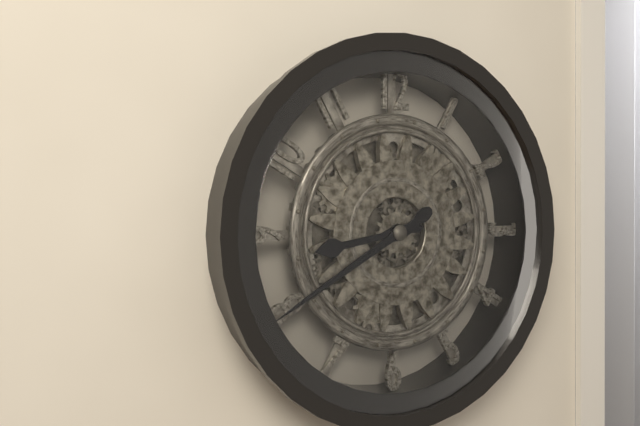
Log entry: {"hour": 8, "minute": 40}
